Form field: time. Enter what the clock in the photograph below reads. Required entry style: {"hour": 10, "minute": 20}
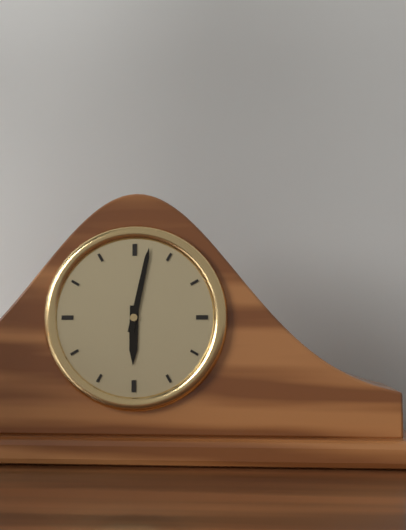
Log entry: {"hour": 6, "minute": 2}
